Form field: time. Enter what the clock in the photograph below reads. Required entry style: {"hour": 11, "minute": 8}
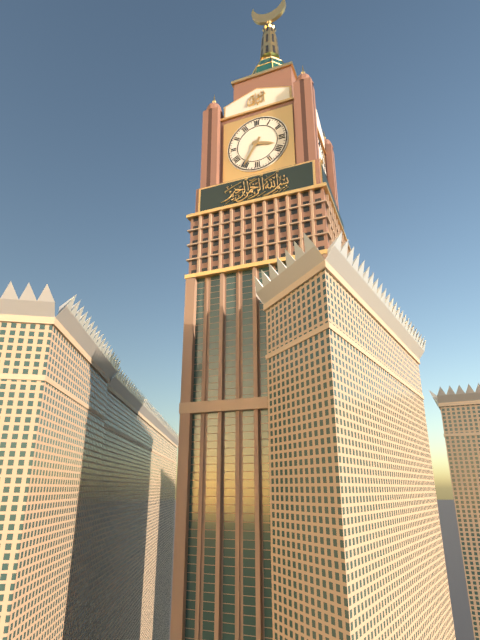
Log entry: {"hour": 3, "minute": 35}
